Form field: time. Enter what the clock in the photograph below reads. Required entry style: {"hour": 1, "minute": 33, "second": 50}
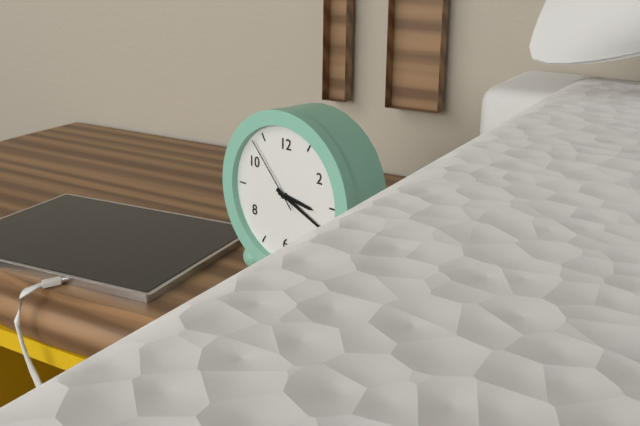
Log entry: {"hour": 3, "minute": 19, "second": 53}
